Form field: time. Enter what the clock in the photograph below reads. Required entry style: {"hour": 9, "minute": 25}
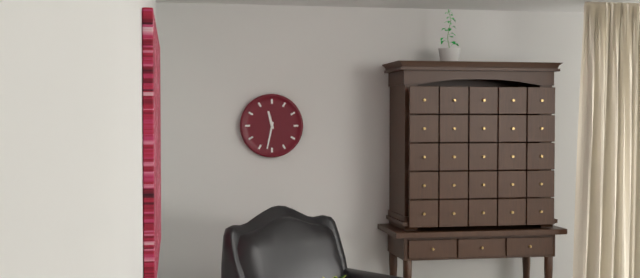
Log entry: {"hour": 11, "minute": 32}
